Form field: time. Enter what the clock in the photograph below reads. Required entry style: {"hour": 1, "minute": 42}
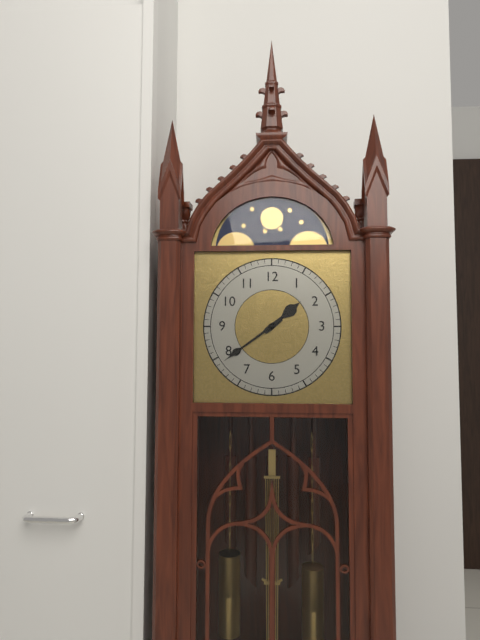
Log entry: {"hour": 1, "minute": 39}
